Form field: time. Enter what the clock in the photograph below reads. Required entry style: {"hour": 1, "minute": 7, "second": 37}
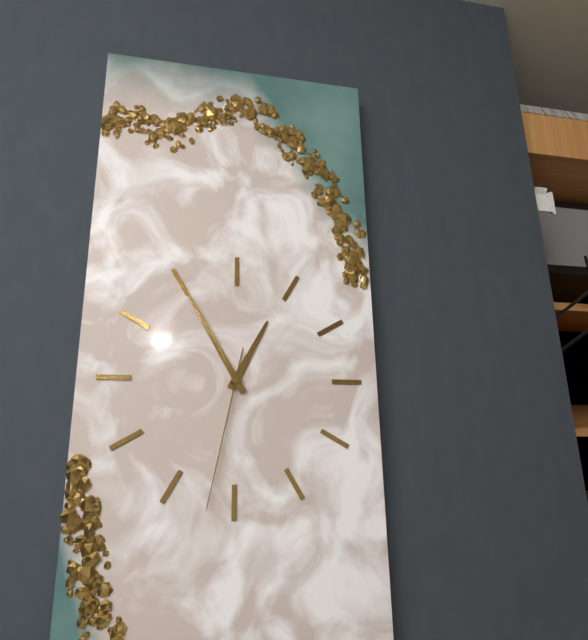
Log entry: {"hour": 12, "minute": 55, "second": 32}
